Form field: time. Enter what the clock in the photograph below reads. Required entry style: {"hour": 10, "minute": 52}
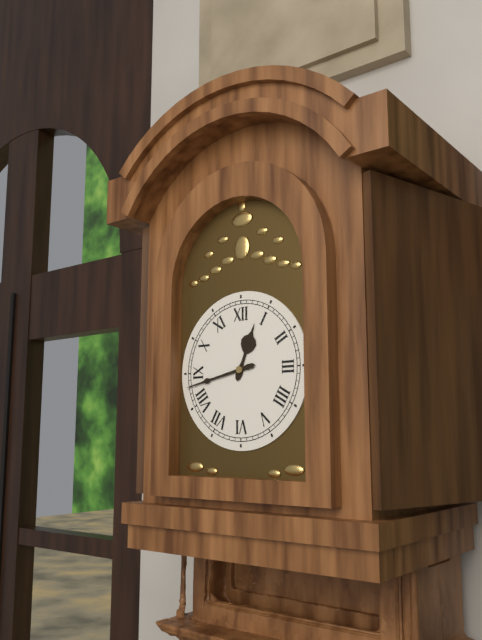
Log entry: {"hour": 12, "minute": 43}
